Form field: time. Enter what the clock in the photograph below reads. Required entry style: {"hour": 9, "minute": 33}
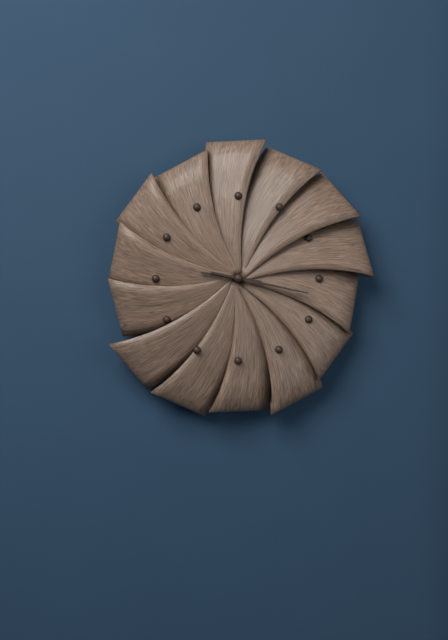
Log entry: {"hour": 9, "minute": 17}
